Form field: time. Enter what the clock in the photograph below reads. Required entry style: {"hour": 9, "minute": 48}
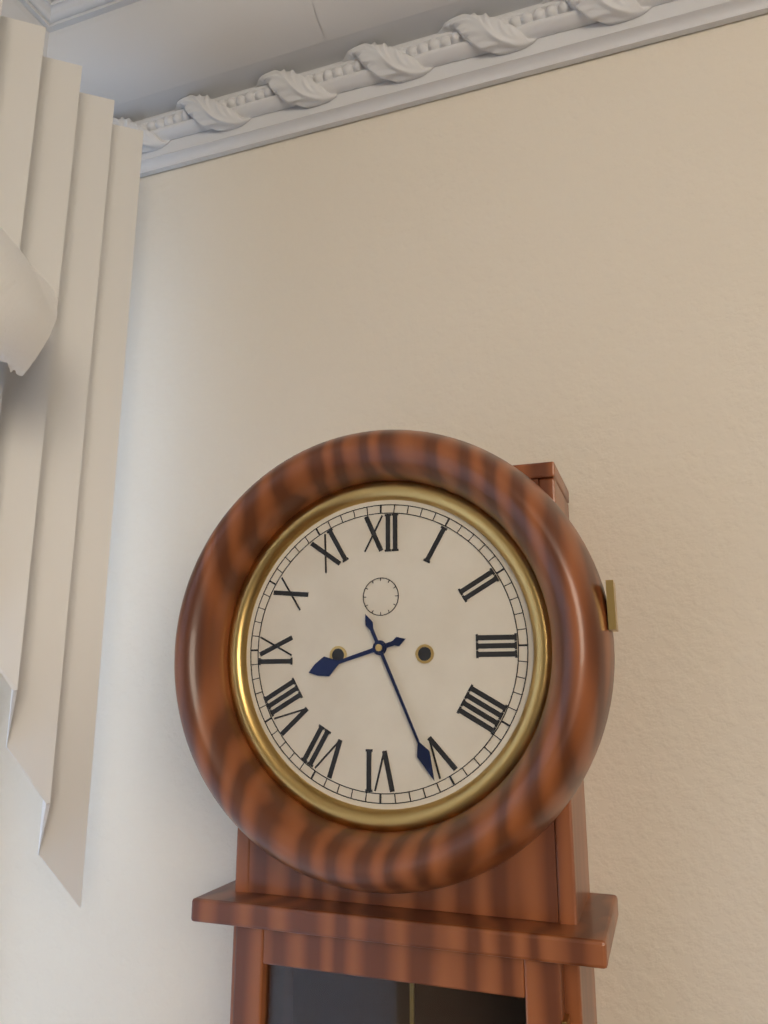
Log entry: {"hour": 8, "minute": 26}
